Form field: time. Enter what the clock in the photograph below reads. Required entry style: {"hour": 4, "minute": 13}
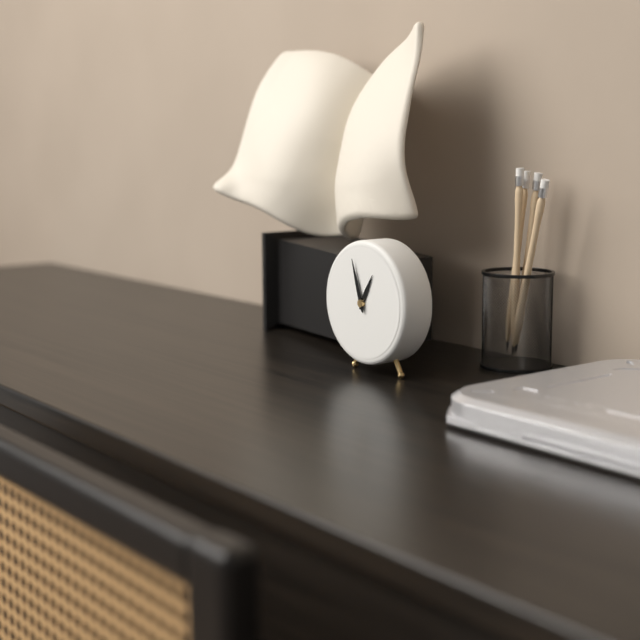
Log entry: {"hour": 12, "minute": 57}
